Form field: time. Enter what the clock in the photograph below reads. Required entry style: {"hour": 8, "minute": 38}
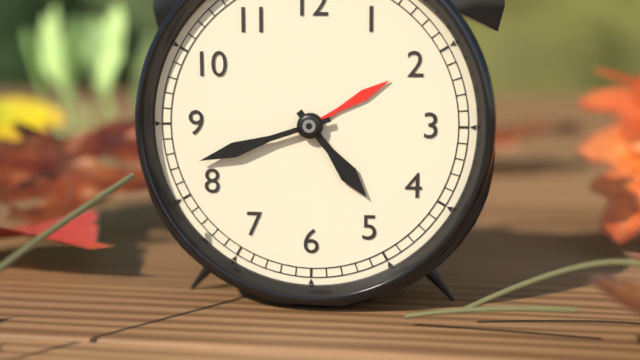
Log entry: {"hour": 4, "minute": 42}
